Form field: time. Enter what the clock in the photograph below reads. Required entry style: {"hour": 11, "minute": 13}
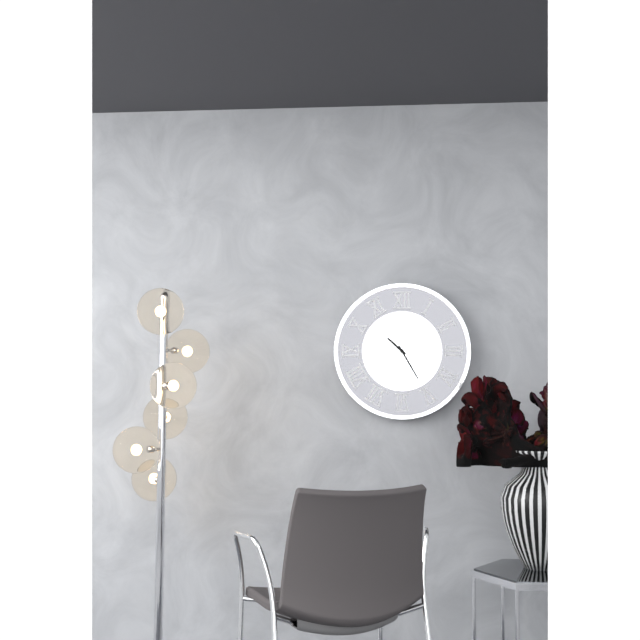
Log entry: {"hour": 10, "minute": 25}
